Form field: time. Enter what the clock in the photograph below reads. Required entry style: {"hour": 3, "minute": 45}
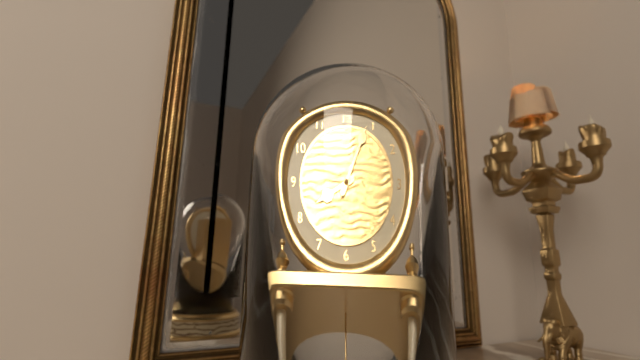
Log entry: {"hour": 8, "minute": 4}
